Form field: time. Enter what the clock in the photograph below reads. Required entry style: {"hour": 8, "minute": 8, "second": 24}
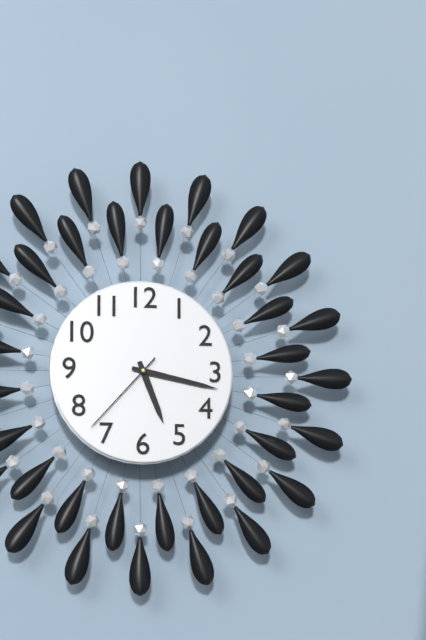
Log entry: {"hour": 5, "minute": 17, "second": 37}
